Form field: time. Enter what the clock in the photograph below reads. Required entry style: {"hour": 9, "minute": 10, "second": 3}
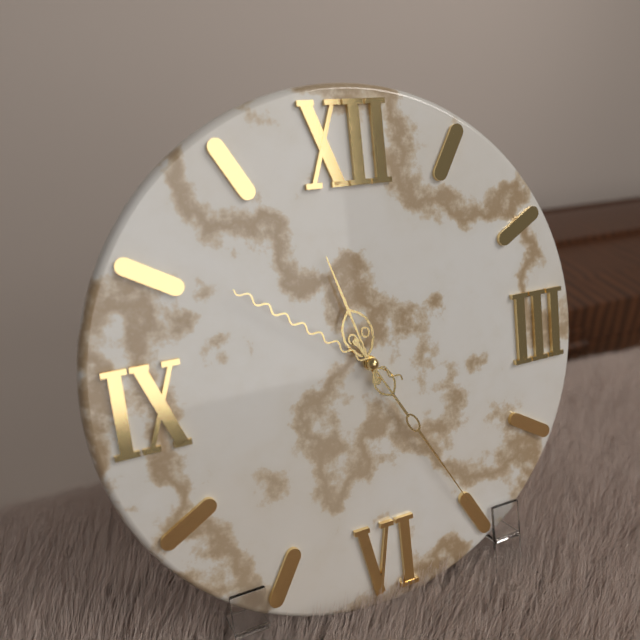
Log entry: {"hour": 11, "minute": 25, "second": 51}
